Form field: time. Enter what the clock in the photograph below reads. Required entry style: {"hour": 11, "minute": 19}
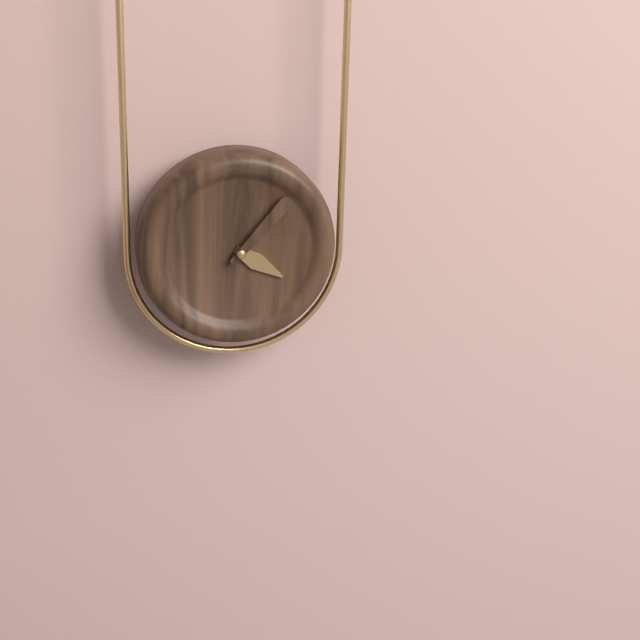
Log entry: {"hour": 4, "minute": 7}
